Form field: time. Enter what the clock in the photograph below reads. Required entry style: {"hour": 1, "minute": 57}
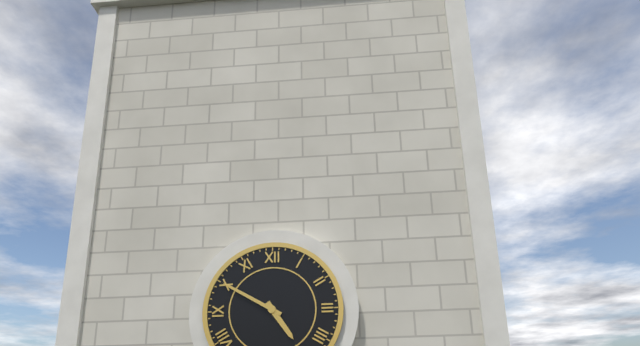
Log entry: {"hour": 4, "minute": 50}
